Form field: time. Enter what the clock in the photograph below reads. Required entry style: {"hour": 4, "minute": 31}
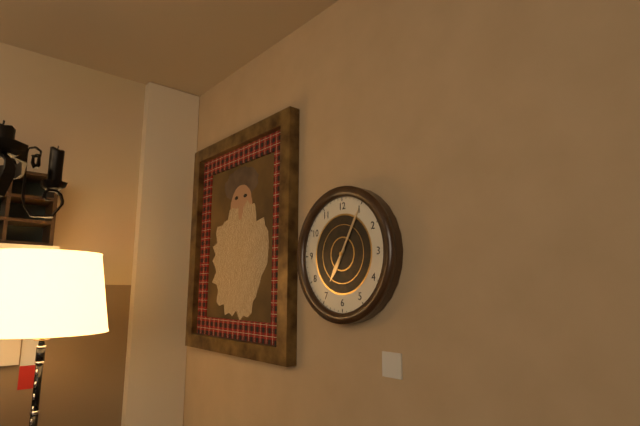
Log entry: {"hour": 7, "minute": 5}
